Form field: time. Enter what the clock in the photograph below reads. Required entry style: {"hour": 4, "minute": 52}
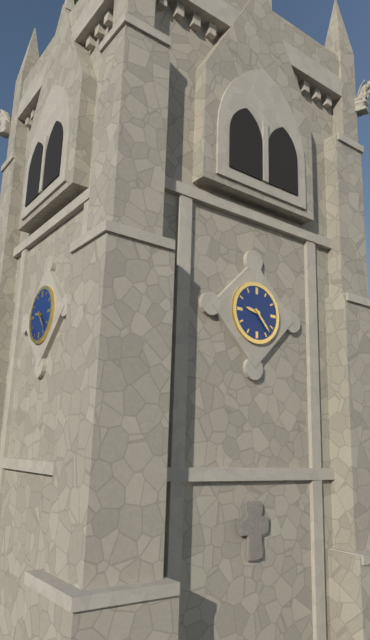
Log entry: {"hour": 9, "minute": 23}
